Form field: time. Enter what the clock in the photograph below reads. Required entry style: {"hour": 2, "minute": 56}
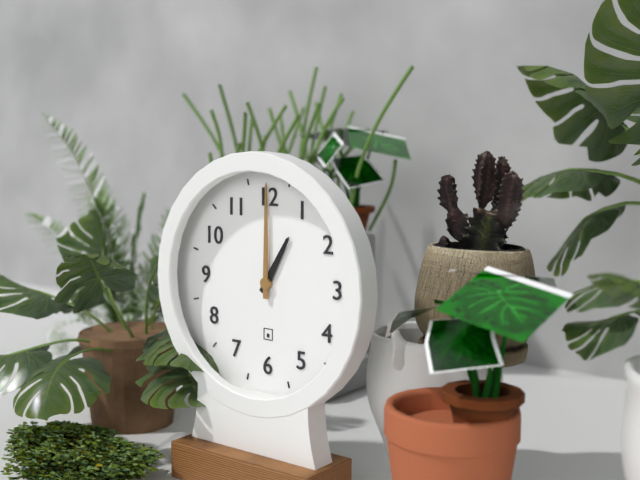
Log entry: {"hour": 1, "minute": 0}
